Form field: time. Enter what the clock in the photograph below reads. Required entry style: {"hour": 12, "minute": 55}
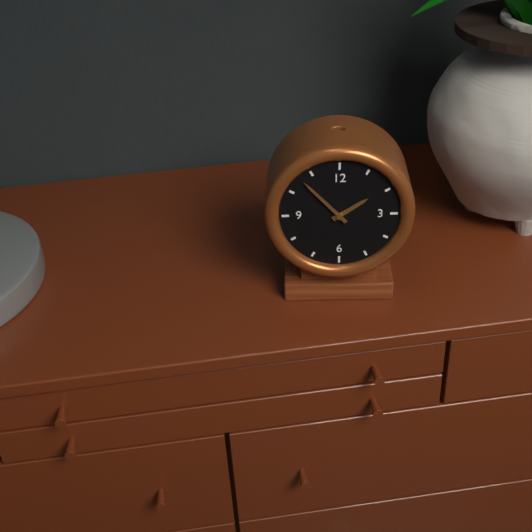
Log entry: {"hour": 1, "minute": 53}
